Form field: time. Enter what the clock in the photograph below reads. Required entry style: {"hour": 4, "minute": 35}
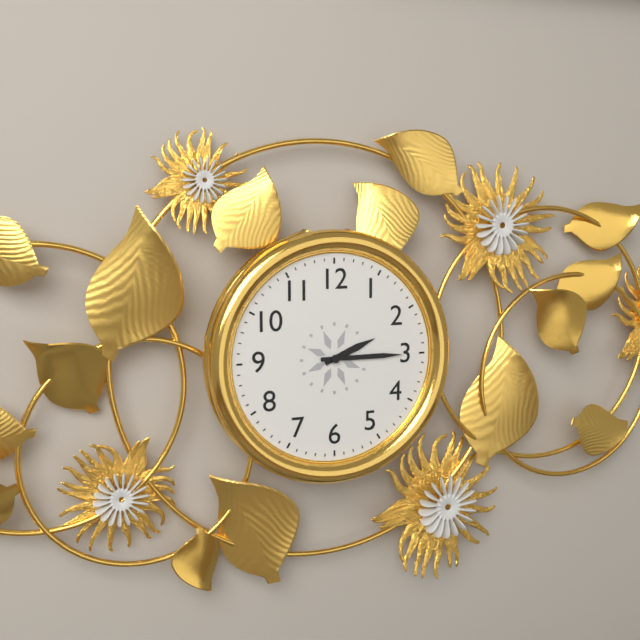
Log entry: {"hour": 2, "minute": 15}
